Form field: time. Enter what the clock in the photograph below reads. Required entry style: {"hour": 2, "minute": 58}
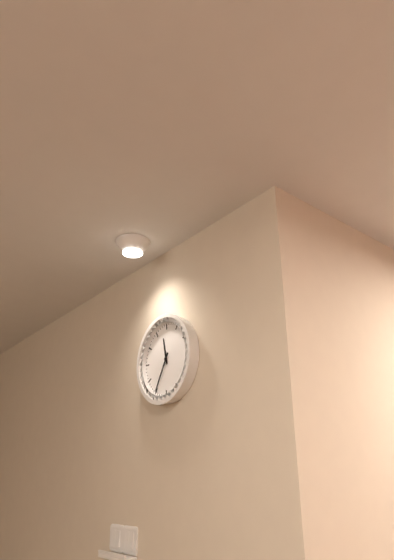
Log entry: {"hour": 11, "minute": 35}
